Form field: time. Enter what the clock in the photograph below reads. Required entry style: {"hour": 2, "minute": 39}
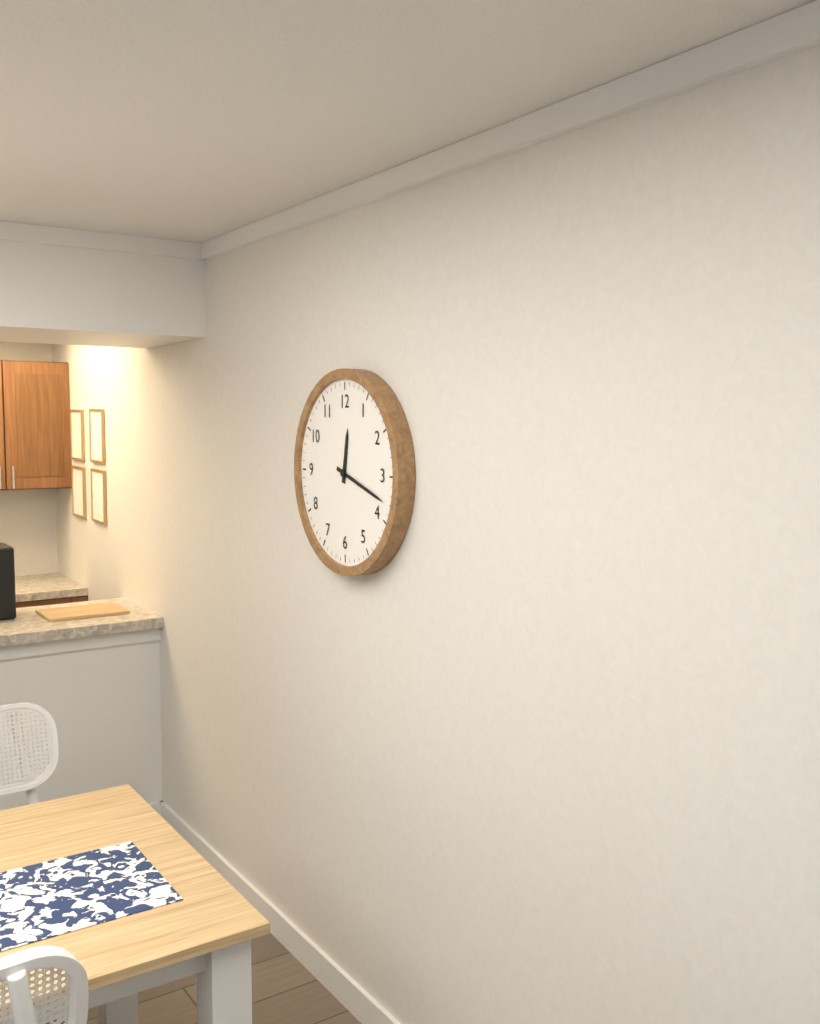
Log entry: {"hour": 12, "minute": 18}
